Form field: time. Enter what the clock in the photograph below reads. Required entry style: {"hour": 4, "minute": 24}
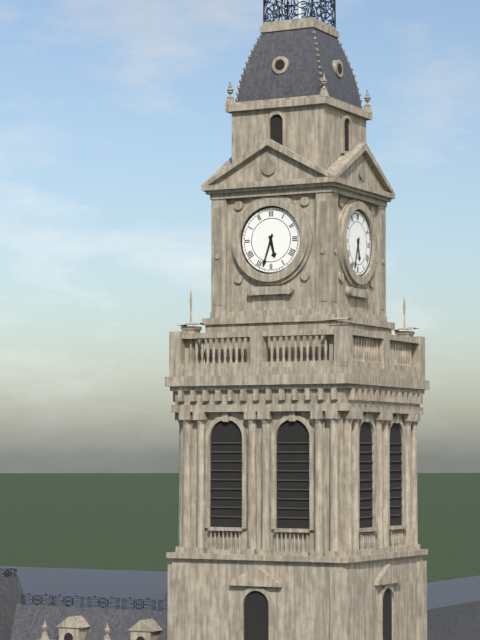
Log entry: {"hour": 5, "minute": 33}
